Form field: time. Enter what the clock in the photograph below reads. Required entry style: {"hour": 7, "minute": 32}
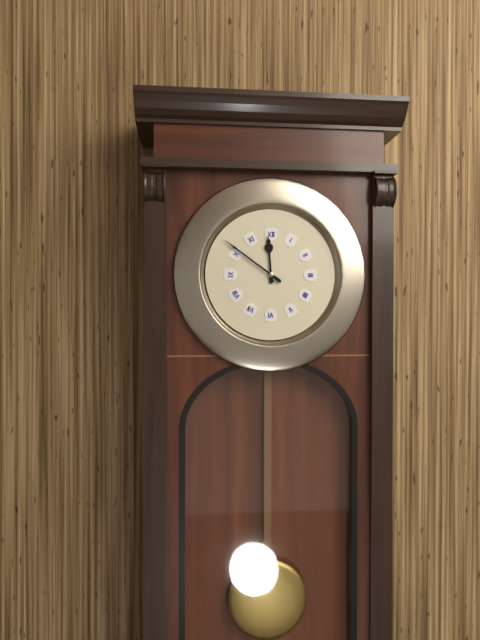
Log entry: {"hour": 11, "minute": 51}
